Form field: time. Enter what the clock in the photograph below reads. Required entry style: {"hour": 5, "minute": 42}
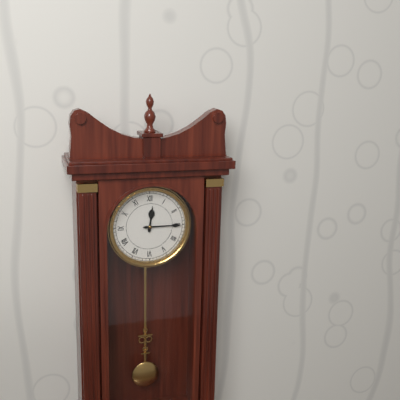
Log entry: {"hour": 12, "minute": 15}
